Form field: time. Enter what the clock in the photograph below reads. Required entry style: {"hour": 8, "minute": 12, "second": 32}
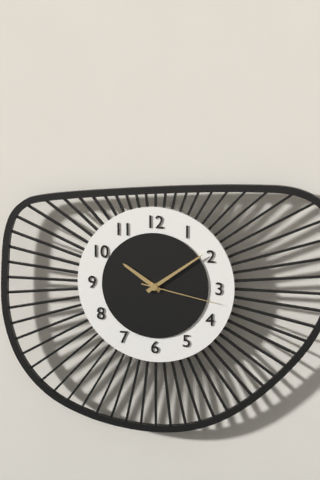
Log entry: {"hour": 10, "minute": 9, "second": 17}
